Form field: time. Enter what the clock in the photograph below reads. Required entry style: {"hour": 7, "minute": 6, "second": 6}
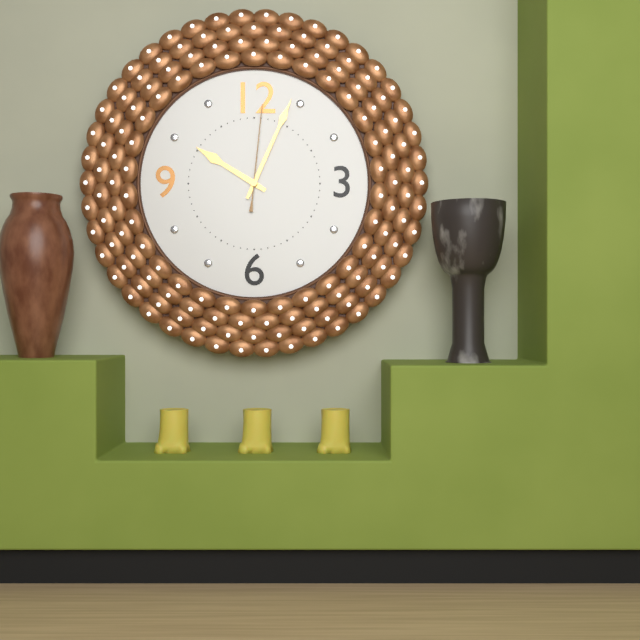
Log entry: {"hour": 10, "minute": 4, "second": 1}
